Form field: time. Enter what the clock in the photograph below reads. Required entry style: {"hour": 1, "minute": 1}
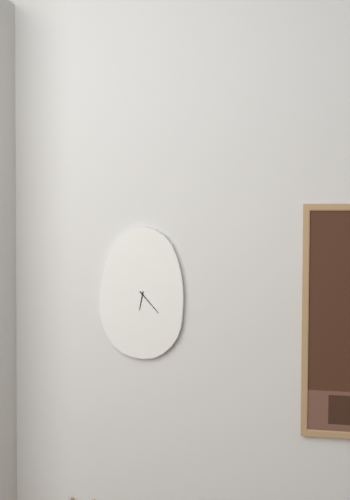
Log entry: {"hour": 6, "minute": 23}
